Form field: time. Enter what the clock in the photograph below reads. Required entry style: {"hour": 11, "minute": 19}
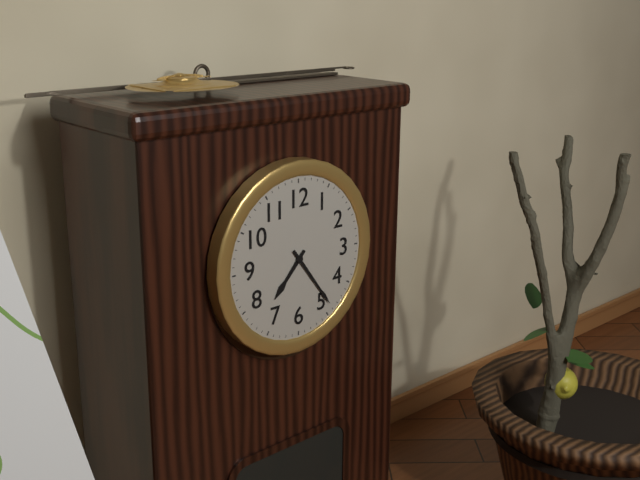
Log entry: {"hour": 7, "minute": 24}
